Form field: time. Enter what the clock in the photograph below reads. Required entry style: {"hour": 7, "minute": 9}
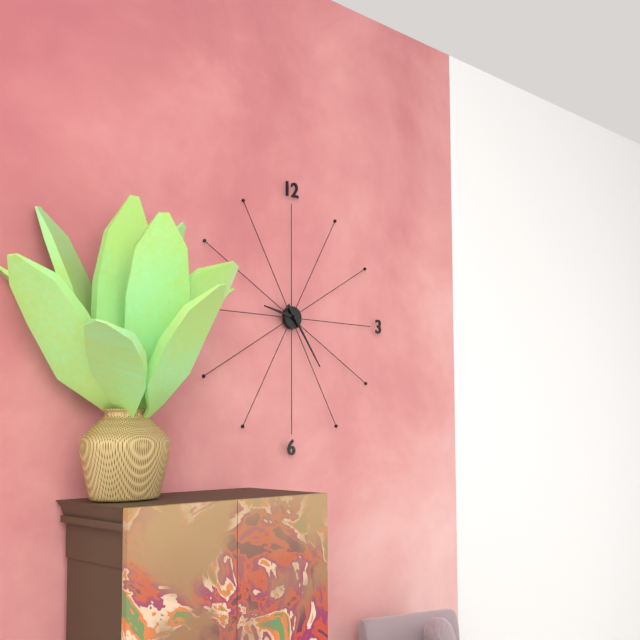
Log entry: {"hour": 9, "minute": 24}
